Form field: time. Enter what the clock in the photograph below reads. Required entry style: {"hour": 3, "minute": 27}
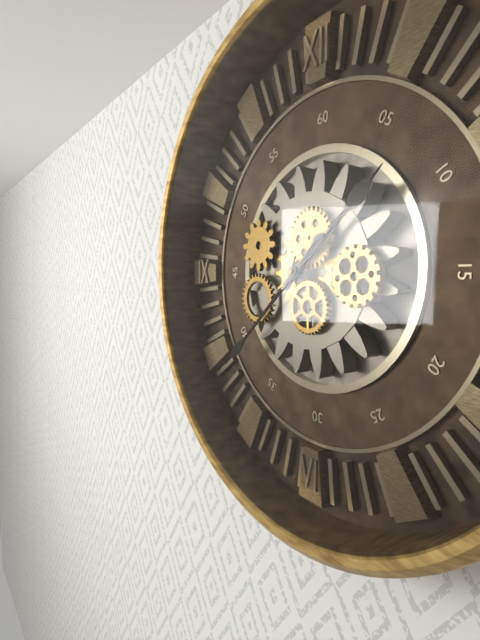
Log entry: {"hour": 1, "minute": 38}
